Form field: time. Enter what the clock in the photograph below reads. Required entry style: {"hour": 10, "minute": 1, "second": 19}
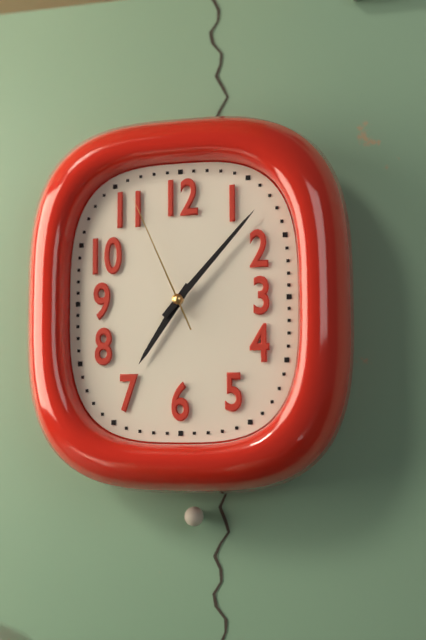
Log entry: {"hour": 7, "minute": 7, "second": 56}
